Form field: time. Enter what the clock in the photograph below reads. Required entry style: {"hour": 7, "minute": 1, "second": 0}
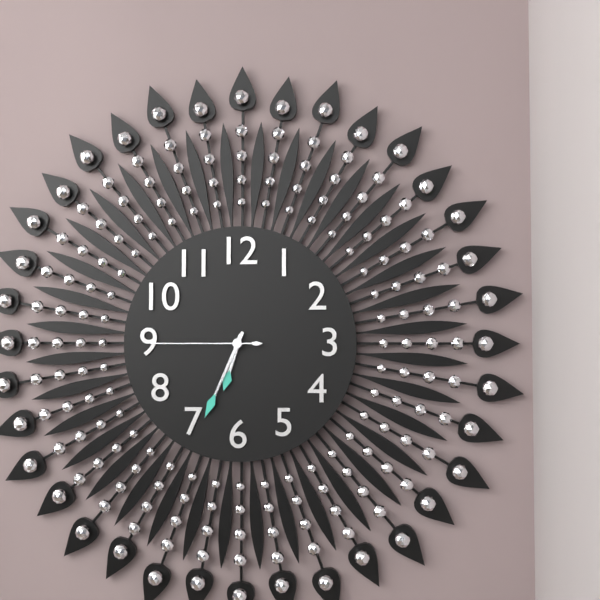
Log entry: {"hour": 6, "minute": 34, "second": 45}
